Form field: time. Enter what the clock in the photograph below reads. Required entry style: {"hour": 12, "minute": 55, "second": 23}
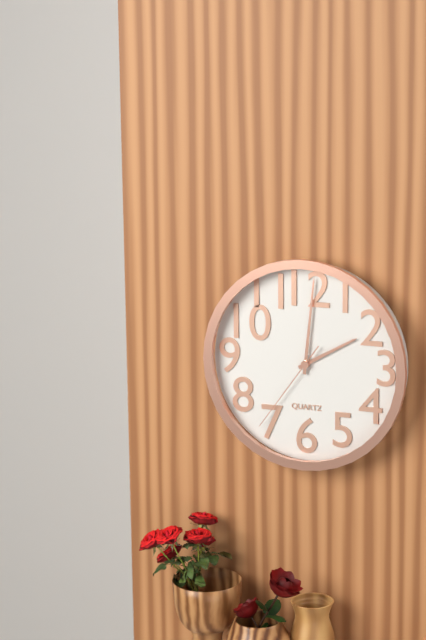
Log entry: {"hour": 2, "minute": 1, "second": 36}
